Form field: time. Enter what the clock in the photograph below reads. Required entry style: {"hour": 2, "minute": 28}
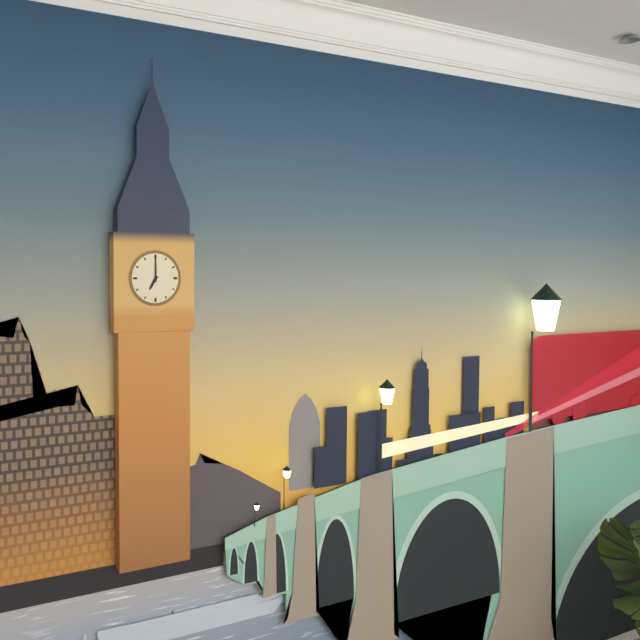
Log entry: {"hour": 7, "minute": 0}
